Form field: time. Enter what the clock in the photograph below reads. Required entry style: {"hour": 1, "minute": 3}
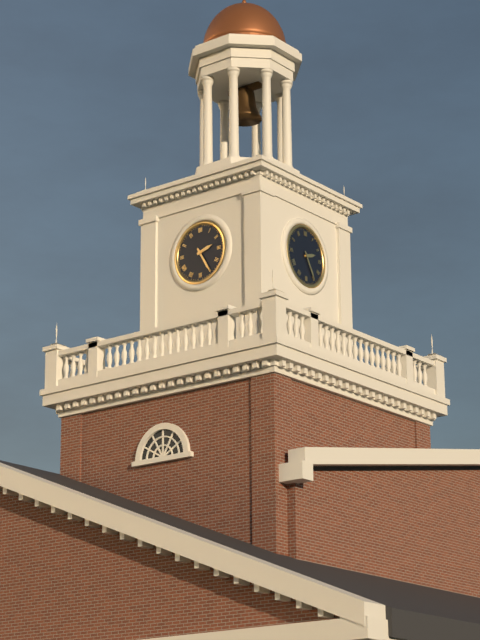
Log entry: {"hour": 2, "minute": 25}
